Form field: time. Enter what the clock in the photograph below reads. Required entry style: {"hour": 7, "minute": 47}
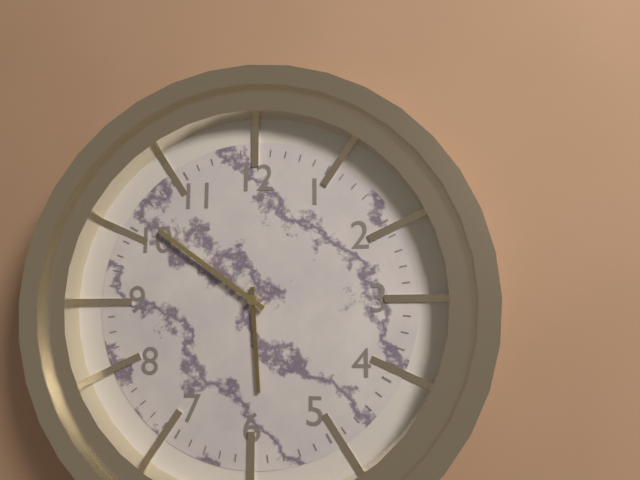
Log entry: {"hour": 5, "minute": 51}
